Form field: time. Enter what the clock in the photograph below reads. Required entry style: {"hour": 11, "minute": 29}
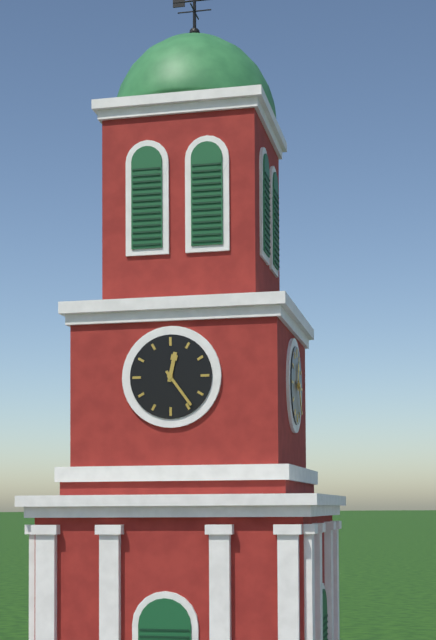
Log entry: {"hour": 12, "minute": 24}
